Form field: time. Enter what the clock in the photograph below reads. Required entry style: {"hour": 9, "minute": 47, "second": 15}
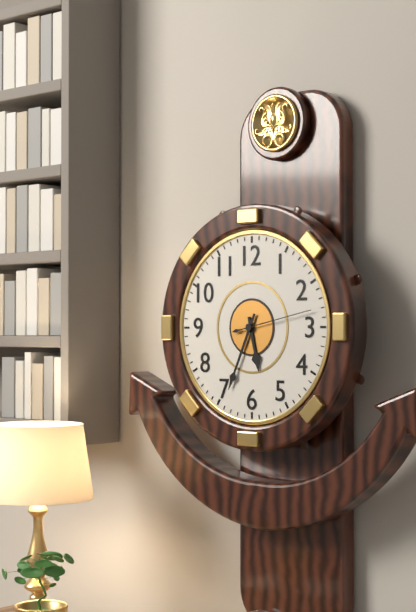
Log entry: {"hour": 5, "minute": 34, "second": 13}
